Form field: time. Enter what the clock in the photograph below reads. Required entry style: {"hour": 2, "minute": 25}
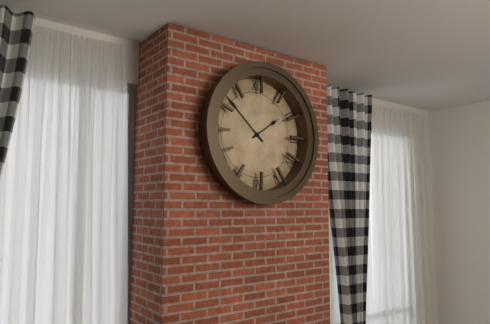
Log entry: {"hour": 1, "minute": 52}
